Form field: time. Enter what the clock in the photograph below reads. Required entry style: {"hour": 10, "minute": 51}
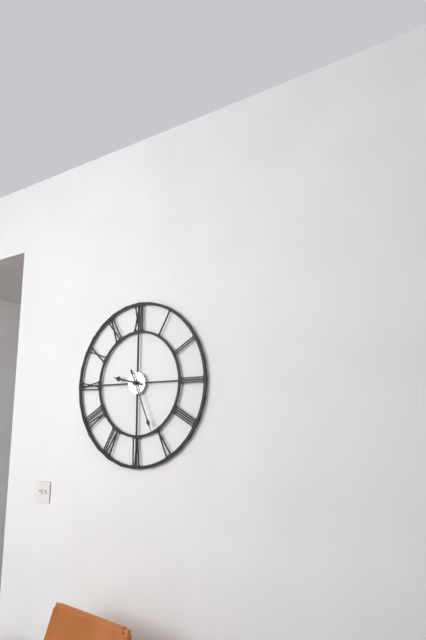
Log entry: {"hour": 9, "minute": 26}
